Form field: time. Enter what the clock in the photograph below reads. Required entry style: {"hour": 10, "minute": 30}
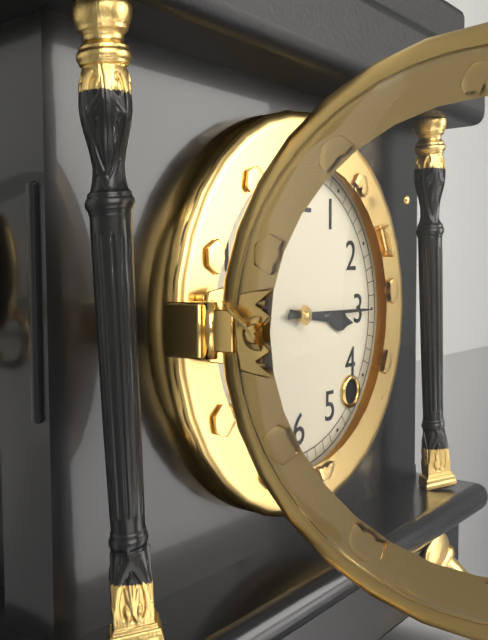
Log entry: {"hour": 3, "minute": 15}
